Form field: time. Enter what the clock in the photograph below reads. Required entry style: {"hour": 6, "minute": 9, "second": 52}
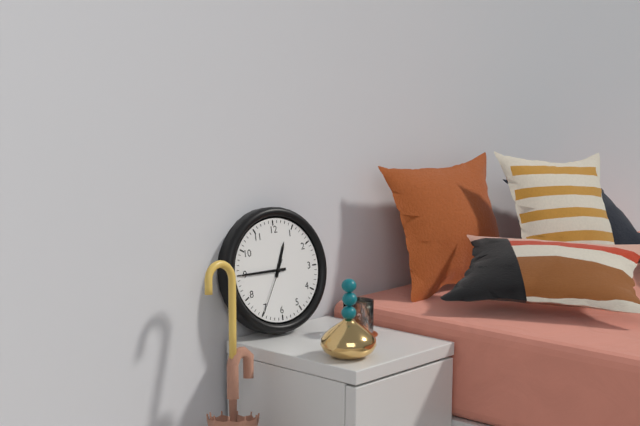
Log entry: {"hour": 12, "minute": 45, "second": 35}
